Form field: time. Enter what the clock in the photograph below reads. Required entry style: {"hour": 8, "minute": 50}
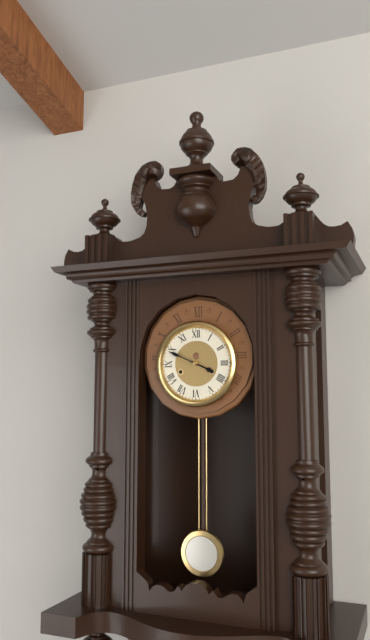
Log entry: {"hour": 3, "minute": 49}
